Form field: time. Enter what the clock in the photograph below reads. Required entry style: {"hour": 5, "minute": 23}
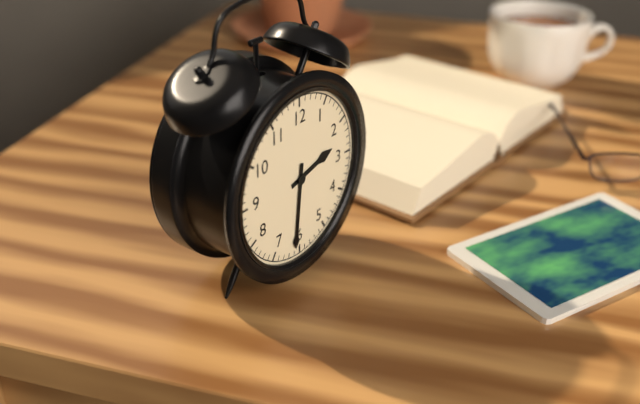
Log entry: {"hour": 2, "minute": 31}
